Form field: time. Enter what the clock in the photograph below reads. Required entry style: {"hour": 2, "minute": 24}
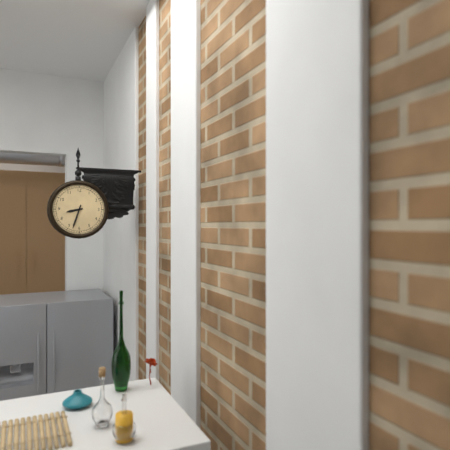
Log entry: {"hour": 8, "minute": 33}
